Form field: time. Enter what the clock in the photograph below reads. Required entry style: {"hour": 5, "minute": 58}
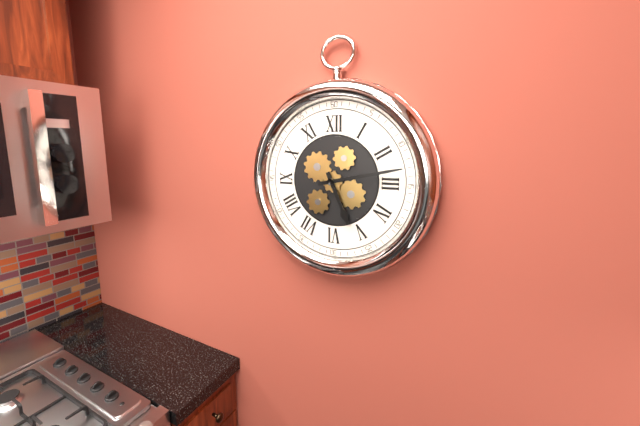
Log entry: {"hour": 5, "minute": 13}
